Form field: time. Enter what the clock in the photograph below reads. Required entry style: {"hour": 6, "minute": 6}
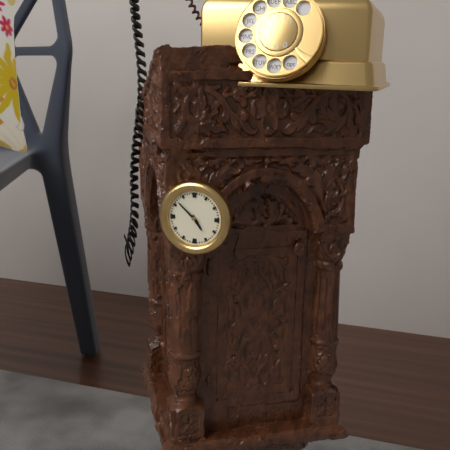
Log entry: {"hour": 4, "minute": 52}
